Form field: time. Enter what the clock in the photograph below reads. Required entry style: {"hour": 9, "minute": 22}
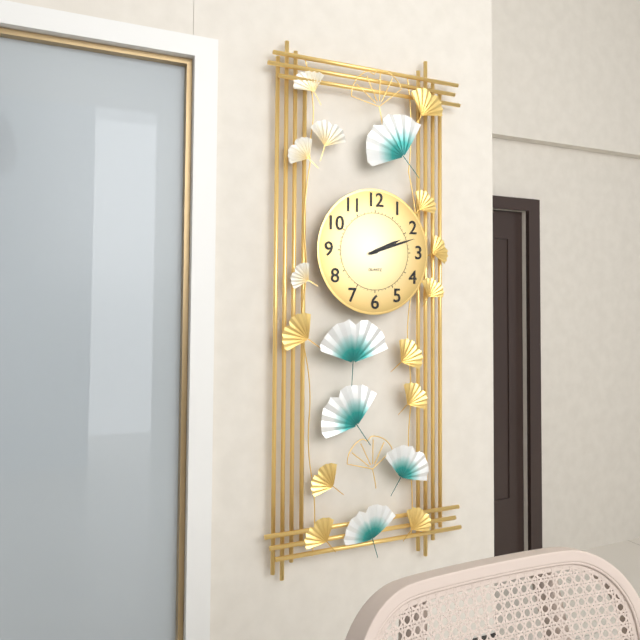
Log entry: {"hour": 2, "minute": 12}
